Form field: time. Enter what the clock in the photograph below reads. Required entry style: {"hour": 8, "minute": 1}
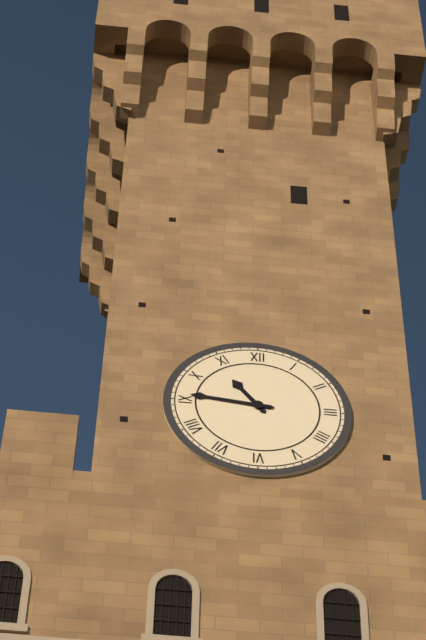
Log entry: {"hour": 10, "minute": 46}
